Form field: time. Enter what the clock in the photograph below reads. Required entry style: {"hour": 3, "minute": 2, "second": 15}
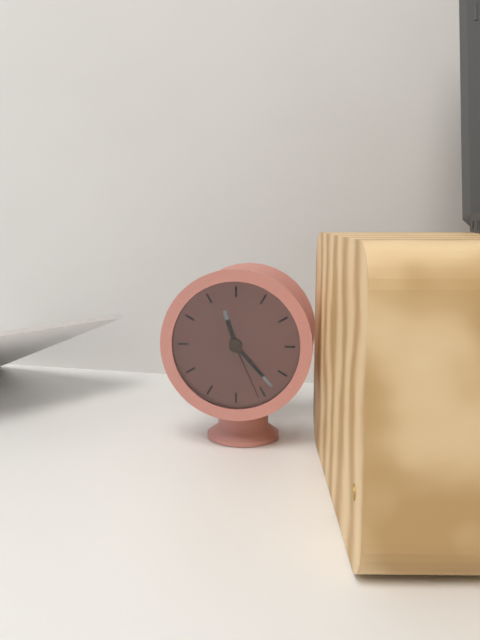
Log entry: {"hour": 11, "minute": 23, "second": 26}
